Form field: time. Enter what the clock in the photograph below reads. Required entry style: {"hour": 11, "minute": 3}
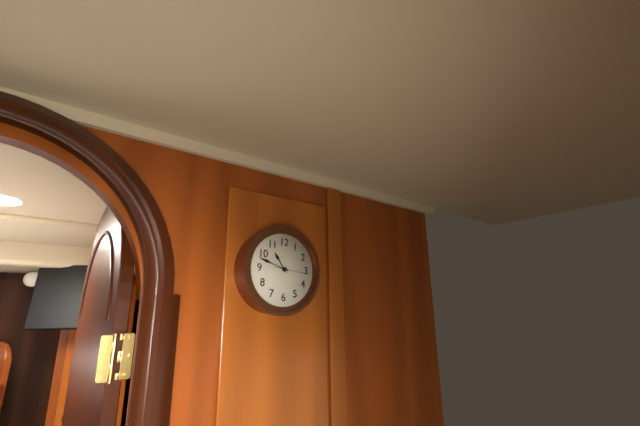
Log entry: {"hour": 10, "minute": 48}
